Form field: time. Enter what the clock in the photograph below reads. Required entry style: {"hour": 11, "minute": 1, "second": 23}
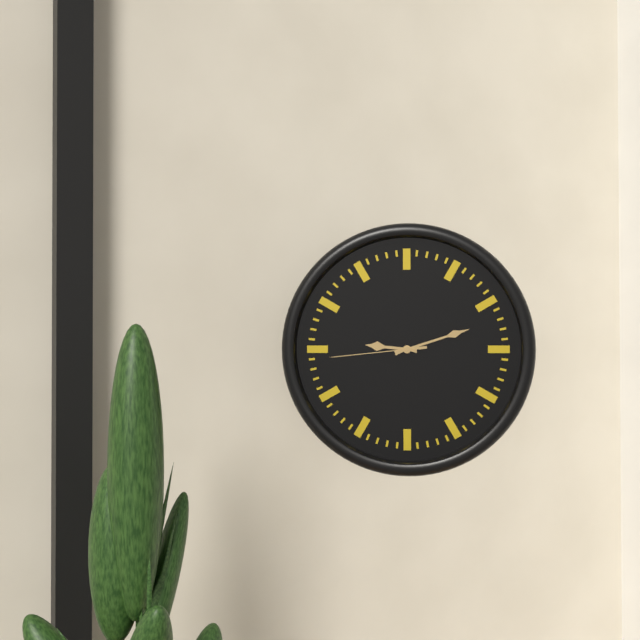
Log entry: {"hour": 9, "minute": 12, "second": 44}
